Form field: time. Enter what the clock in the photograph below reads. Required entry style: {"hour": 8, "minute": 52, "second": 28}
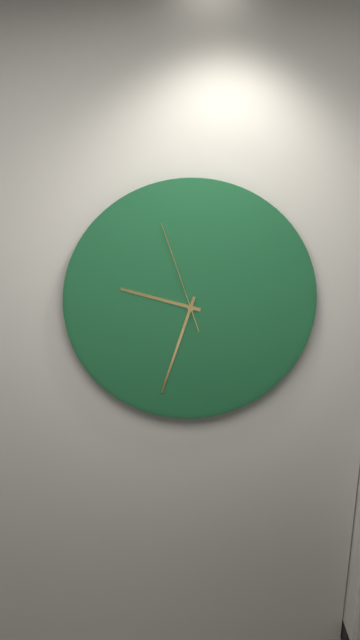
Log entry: {"hour": 9, "minute": 33, "second": 57}
